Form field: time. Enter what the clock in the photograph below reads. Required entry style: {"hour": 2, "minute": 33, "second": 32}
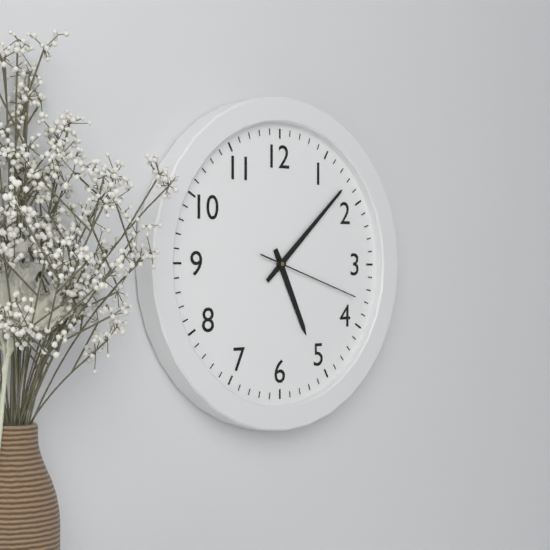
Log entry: {"hour": 5, "minute": 8, "second": 18}
